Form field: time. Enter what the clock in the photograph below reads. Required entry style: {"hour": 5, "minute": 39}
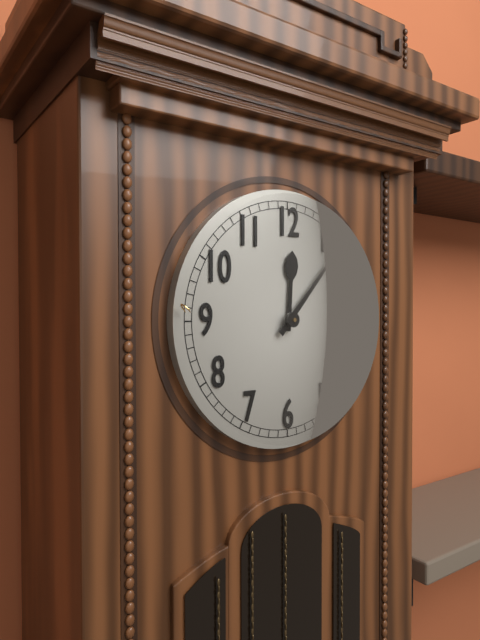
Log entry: {"hour": 12, "minute": 7}
